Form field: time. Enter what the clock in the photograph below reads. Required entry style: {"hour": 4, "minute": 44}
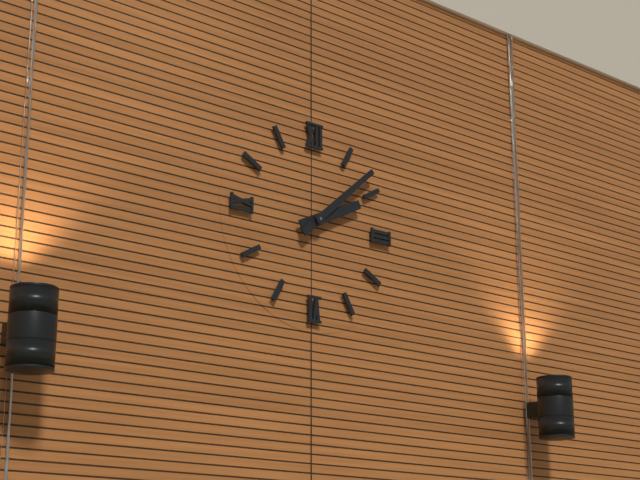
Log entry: {"hour": 2, "minute": 8}
